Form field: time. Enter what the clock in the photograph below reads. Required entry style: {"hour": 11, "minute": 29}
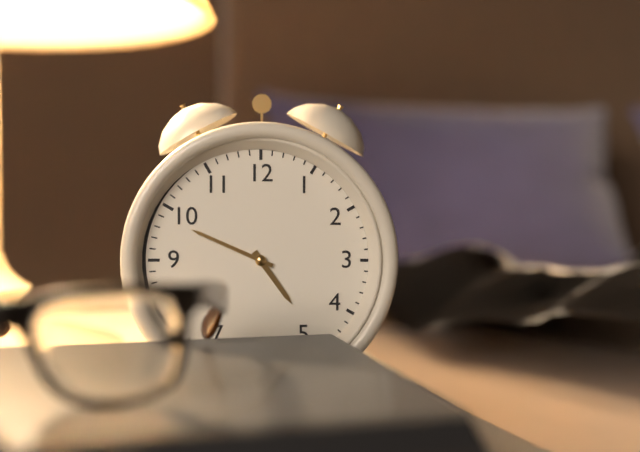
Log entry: {"hour": 4, "minute": 49}
